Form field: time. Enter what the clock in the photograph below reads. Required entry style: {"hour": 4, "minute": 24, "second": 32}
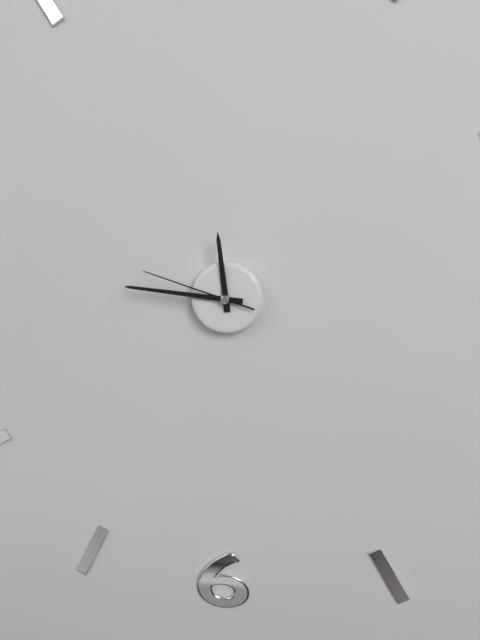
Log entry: {"hour": 11, "minute": 46, "second": 48}
